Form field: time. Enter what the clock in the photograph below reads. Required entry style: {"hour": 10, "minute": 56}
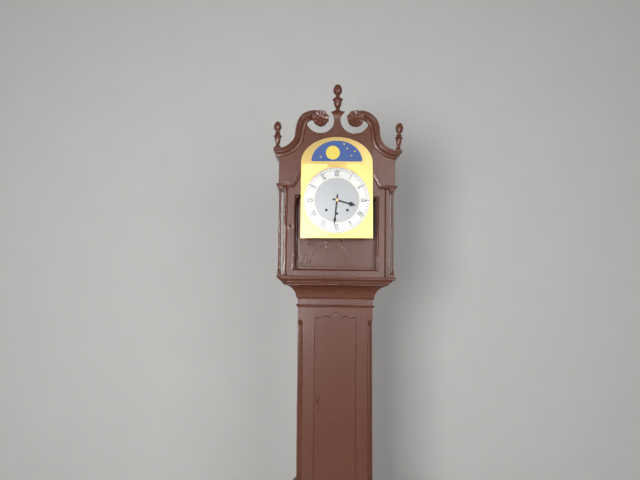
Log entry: {"hour": 3, "minute": 31}
